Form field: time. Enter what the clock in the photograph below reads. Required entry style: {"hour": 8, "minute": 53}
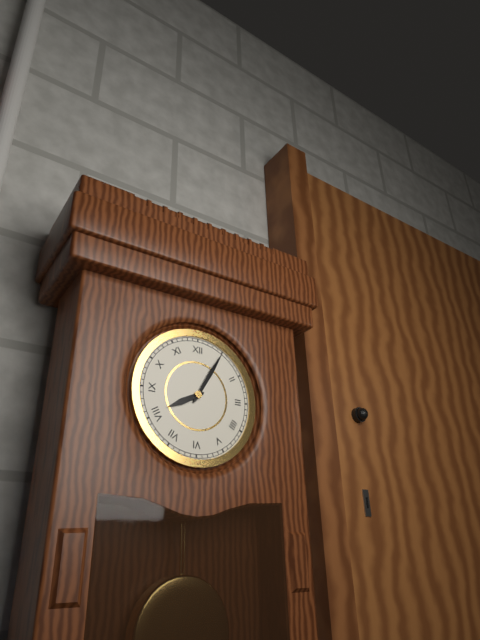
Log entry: {"hour": 8, "minute": 5}
